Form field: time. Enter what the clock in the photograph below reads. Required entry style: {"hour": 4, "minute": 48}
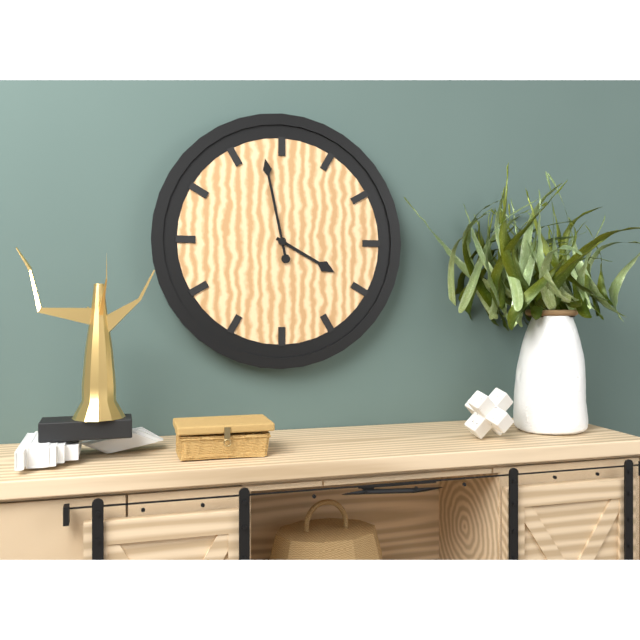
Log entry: {"hour": 3, "minute": 58}
